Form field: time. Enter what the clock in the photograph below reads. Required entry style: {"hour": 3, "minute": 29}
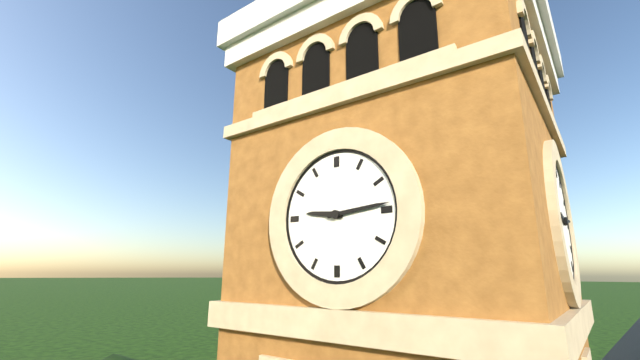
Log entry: {"hour": 9, "minute": 14}
